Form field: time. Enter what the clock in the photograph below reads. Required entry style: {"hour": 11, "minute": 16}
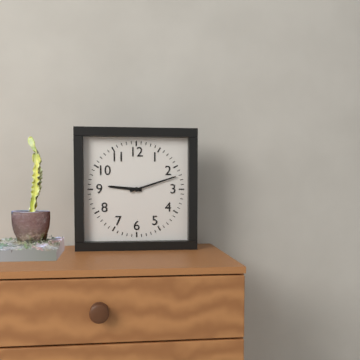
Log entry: {"hour": 9, "minute": 12}
